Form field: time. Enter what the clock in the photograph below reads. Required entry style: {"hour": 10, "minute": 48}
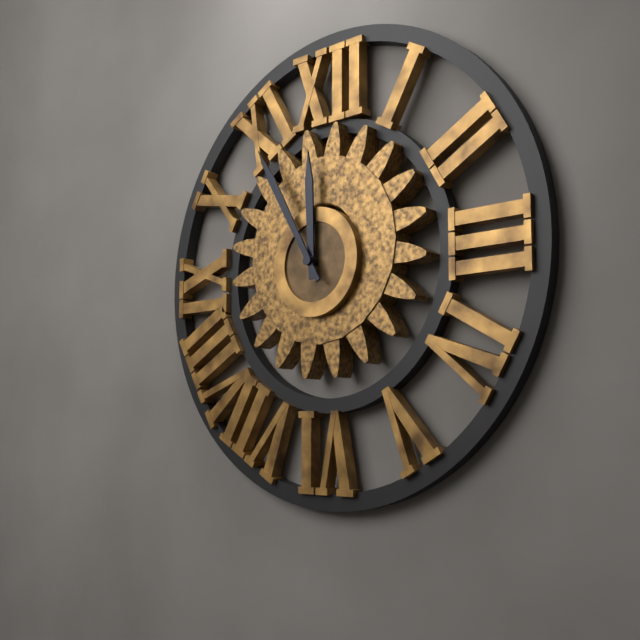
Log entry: {"hour": 11, "minute": 55}
